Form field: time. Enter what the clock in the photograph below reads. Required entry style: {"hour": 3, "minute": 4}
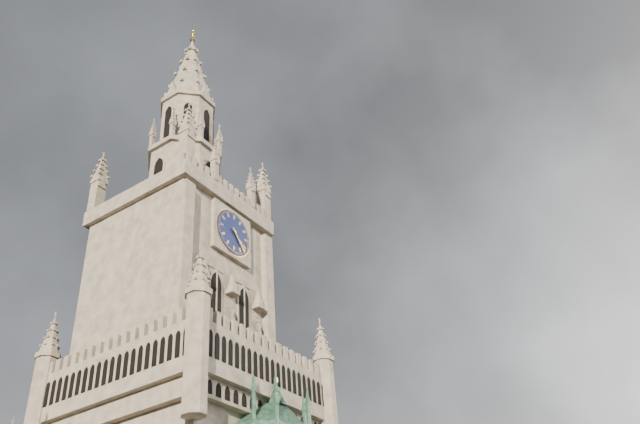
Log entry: {"hour": 4, "minute": 23}
